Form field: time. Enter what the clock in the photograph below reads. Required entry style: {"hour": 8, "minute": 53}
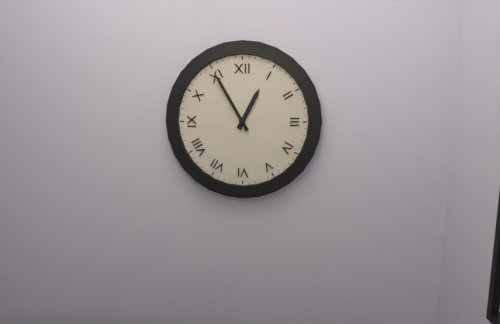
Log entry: {"hour": 12, "minute": 55}
